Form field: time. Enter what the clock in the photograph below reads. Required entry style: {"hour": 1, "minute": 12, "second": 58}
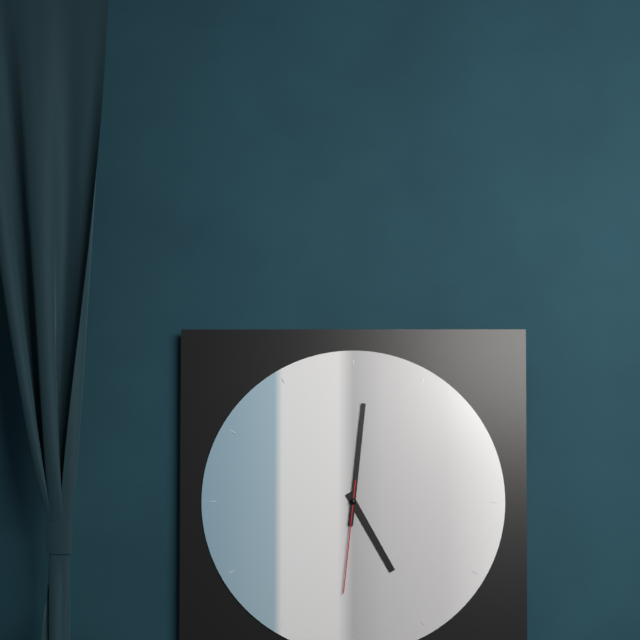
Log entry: {"hour": 5, "minute": 1, "second": 31}
